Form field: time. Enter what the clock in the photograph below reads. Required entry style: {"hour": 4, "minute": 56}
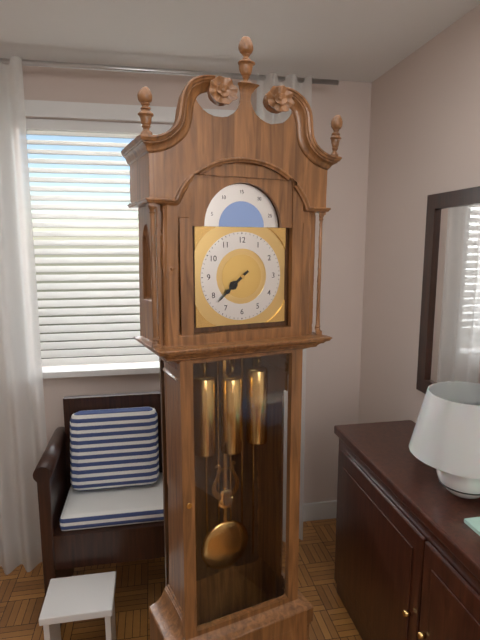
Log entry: {"hour": 7, "minute": 38}
